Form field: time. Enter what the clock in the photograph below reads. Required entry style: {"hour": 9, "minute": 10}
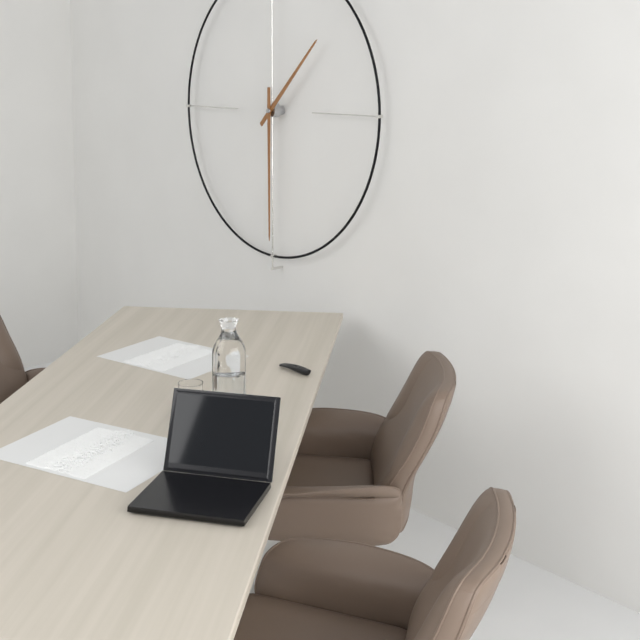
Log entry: {"hour": 1, "minute": 30}
